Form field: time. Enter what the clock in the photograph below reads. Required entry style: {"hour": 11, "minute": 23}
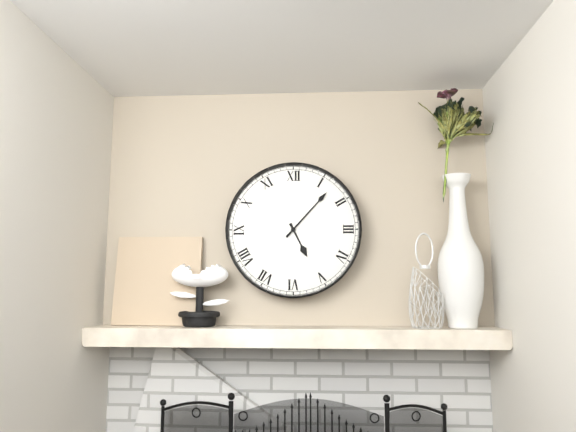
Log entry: {"hour": 5, "minute": 7}
